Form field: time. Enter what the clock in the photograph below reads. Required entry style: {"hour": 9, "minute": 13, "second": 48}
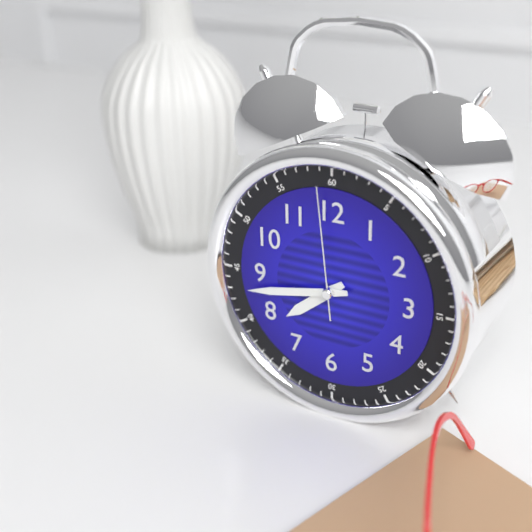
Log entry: {"hour": 7, "minute": 43, "second": 59}
